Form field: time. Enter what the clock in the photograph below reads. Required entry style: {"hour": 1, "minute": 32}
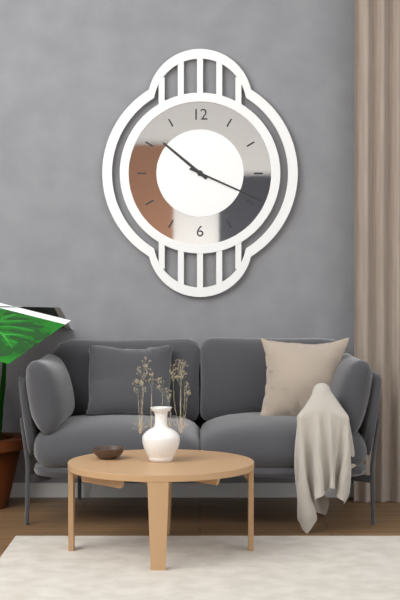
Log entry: {"hour": 10, "minute": 19}
